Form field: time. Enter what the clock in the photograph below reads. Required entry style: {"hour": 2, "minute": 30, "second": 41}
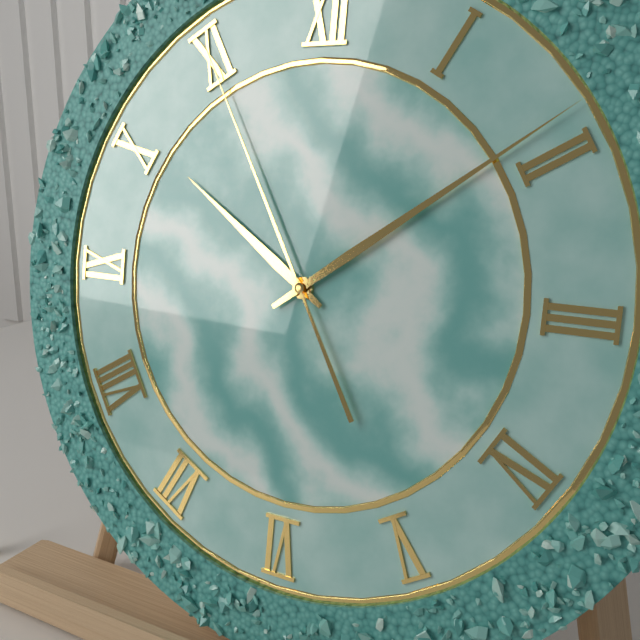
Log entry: {"hour": 10, "minute": 9, "second": 55}
